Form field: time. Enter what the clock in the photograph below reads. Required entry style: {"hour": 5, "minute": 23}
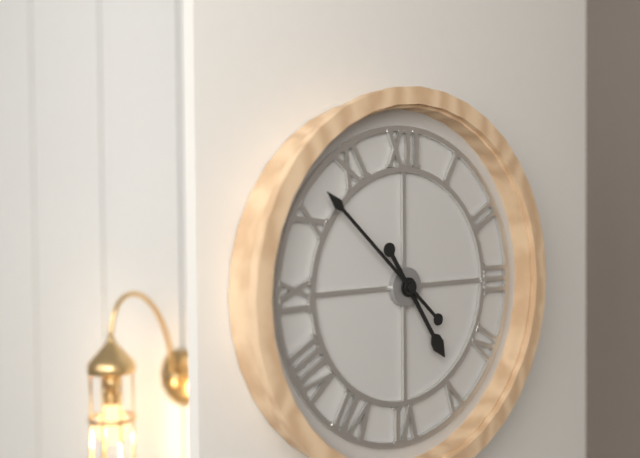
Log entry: {"hour": 4, "minute": 52}
